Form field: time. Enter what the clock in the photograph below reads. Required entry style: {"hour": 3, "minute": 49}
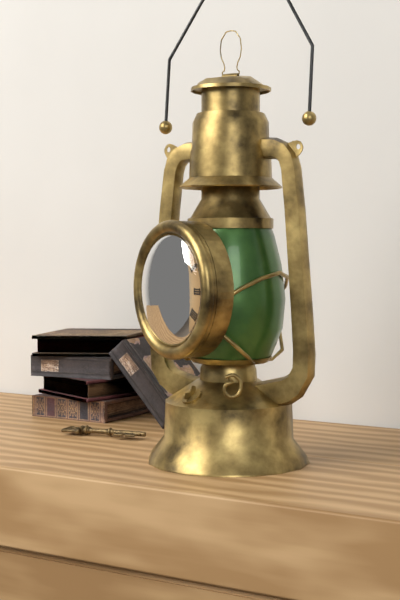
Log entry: {"hour": 1, "minute": 3}
